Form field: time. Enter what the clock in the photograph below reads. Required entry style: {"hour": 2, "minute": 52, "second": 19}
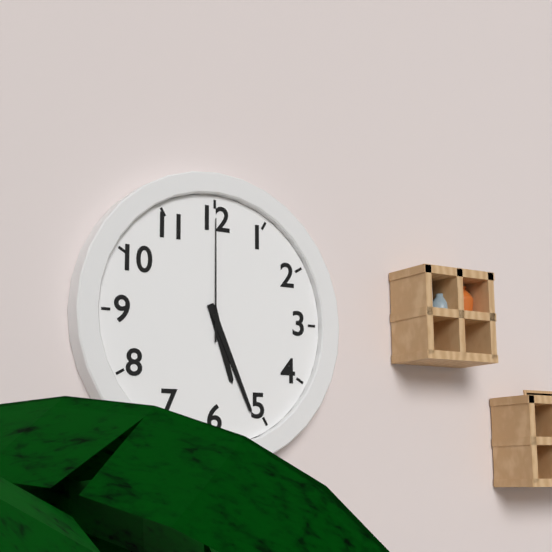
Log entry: {"hour": 5, "minute": 26, "second": 0}
